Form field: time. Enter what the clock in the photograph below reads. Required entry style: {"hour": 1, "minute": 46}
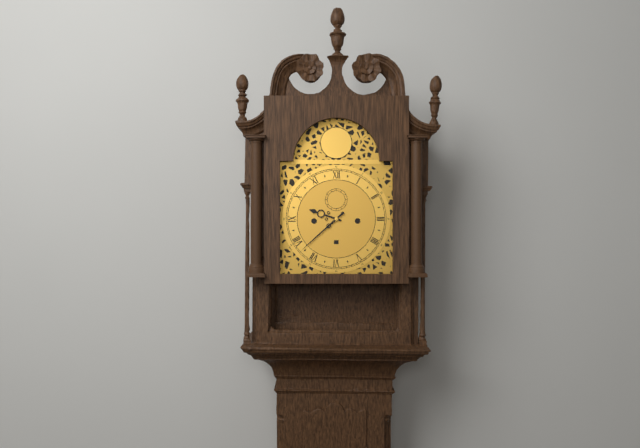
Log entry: {"hour": 9, "minute": 38}
